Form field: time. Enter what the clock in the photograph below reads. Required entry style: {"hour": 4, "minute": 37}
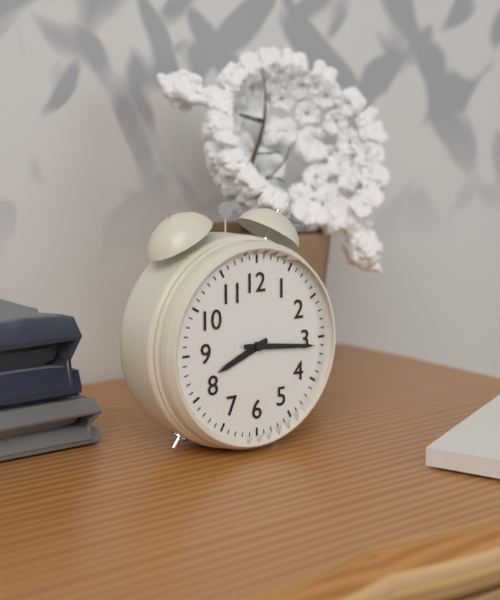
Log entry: {"hour": 8, "minute": 16}
